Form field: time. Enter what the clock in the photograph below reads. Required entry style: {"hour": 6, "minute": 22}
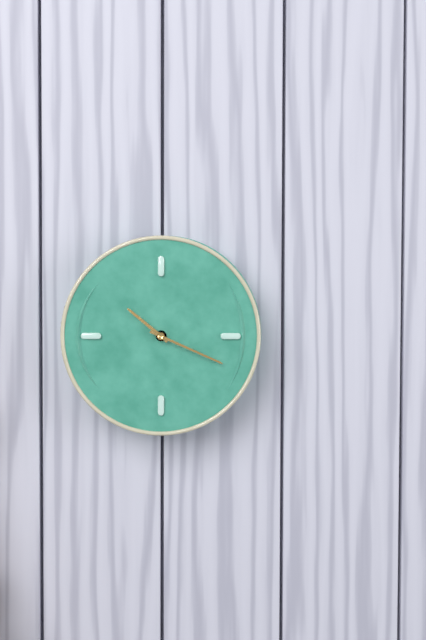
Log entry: {"hour": 10, "minute": 19}
